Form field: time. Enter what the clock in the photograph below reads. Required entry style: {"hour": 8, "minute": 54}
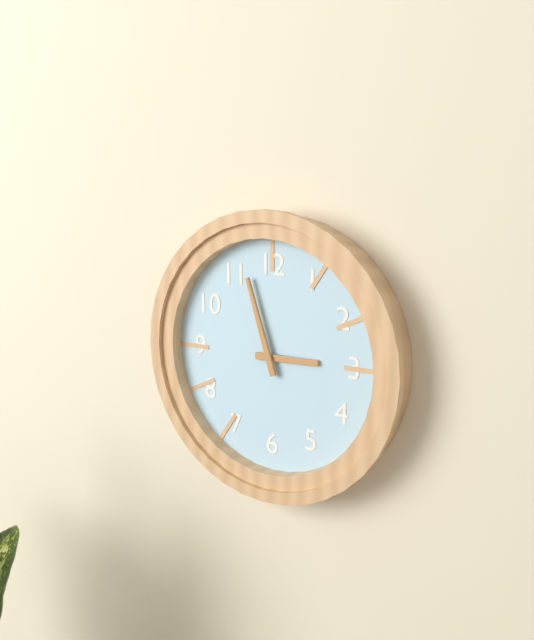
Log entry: {"hour": 2, "minute": 57}
